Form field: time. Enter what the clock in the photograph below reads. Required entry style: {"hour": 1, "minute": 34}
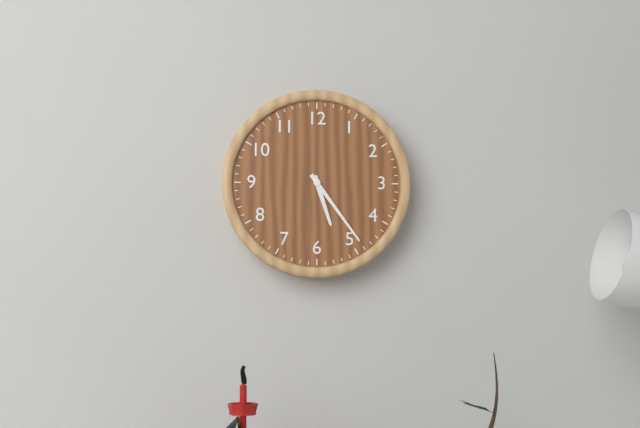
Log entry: {"hour": 5, "minute": 24}
